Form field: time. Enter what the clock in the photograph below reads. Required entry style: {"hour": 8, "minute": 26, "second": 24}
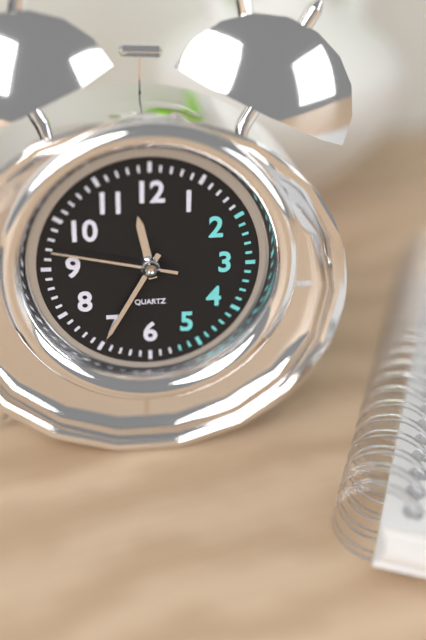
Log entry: {"hour": 11, "minute": 35, "second": 47}
